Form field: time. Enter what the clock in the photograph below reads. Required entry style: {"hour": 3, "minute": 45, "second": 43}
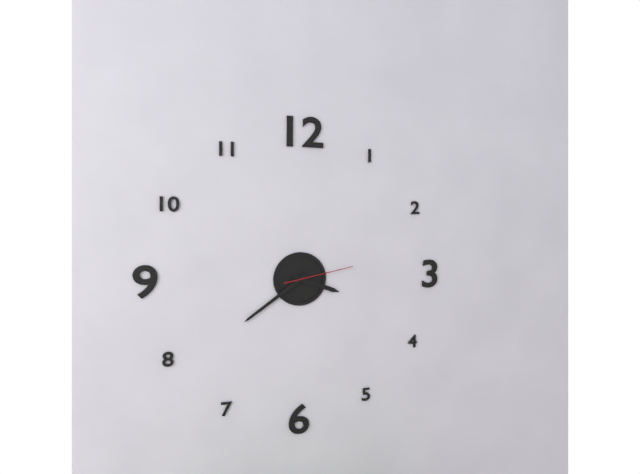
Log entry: {"hour": 3, "minute": 39, "second": 13}
